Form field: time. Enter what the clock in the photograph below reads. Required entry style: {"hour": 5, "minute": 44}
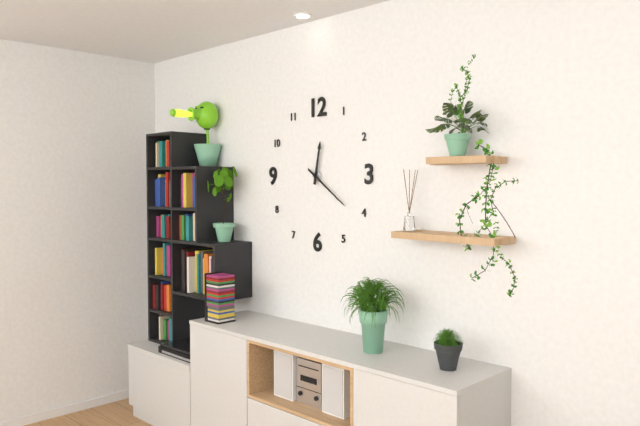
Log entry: {"hour": 12, "minute": 21}
